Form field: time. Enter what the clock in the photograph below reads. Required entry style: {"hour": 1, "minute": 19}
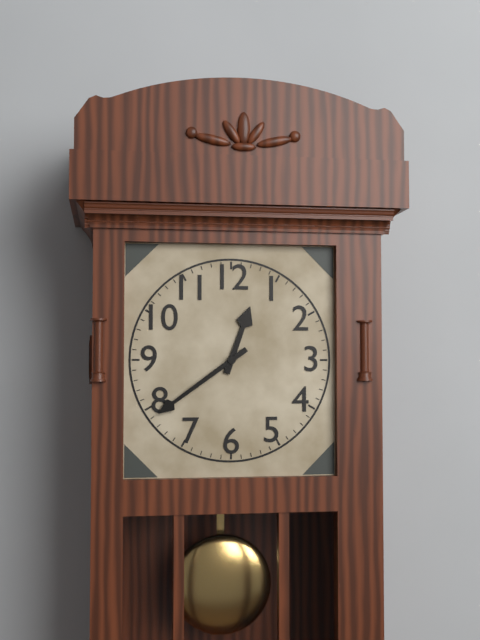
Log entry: {"hour": 12, "minute": 39}
